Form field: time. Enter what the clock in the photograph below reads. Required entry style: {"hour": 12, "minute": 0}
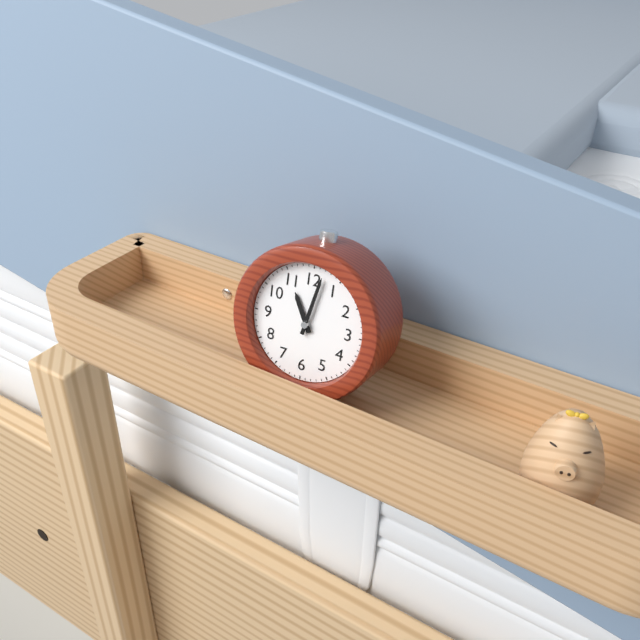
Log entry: {"hour": 11, "minute": 2}
